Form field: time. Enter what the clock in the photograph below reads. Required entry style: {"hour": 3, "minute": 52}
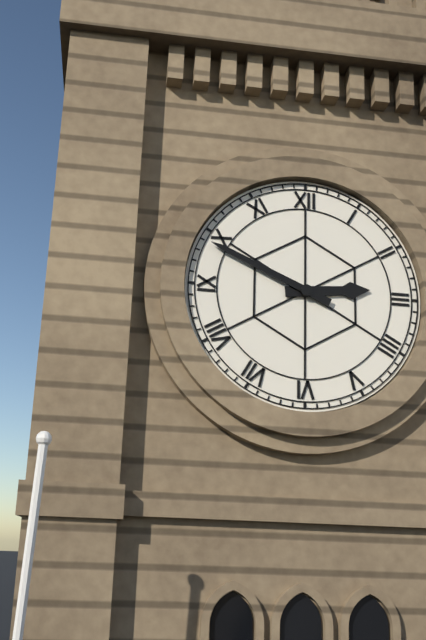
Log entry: {"hour": 2, "minute": 49}
